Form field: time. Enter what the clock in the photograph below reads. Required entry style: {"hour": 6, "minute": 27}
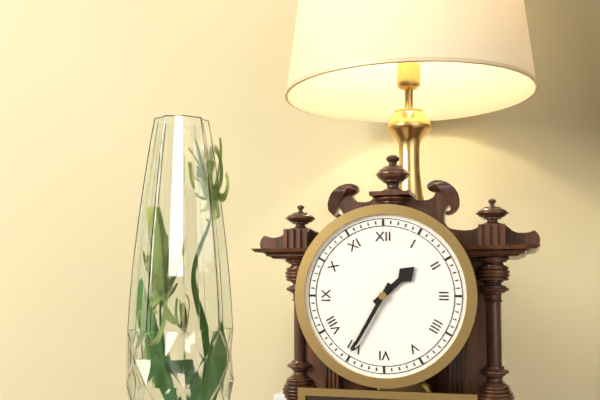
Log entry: {"hour": 1, "minute": 35}
